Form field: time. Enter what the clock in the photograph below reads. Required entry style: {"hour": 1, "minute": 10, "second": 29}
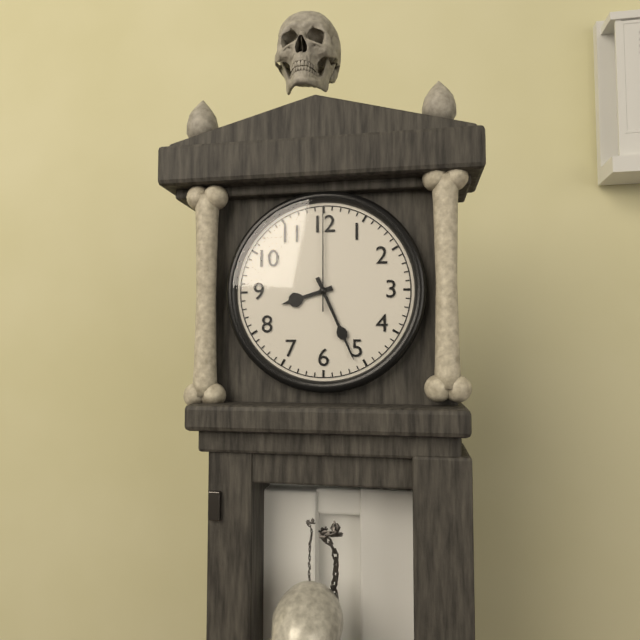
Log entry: {"hour": 8, "minute": 26, "second": 0}
